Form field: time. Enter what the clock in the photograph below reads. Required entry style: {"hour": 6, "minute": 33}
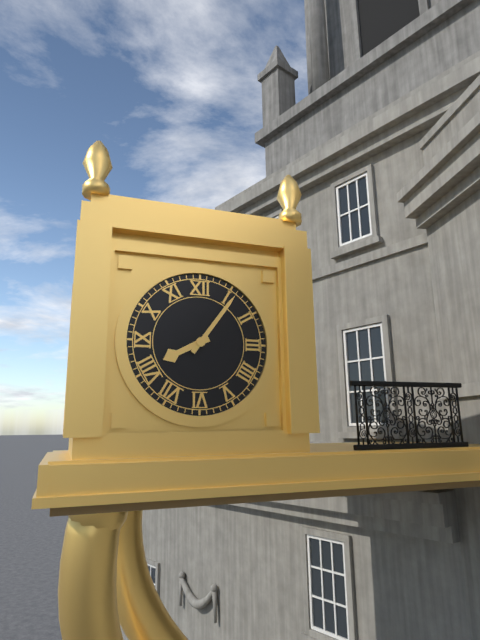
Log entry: {"hour": 8, "minute": 6}
